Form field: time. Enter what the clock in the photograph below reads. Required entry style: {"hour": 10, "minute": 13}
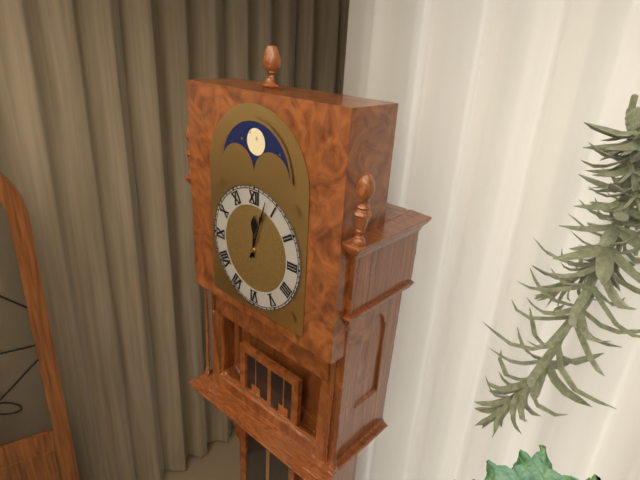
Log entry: {"hour": 12, "minute": 3}
